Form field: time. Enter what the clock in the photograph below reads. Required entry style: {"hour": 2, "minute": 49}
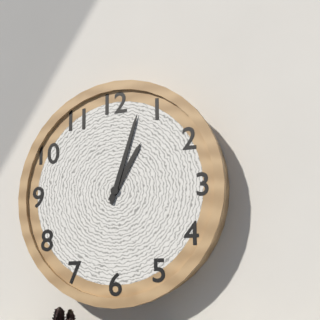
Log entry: {"hour": 1, "minute": 3}
